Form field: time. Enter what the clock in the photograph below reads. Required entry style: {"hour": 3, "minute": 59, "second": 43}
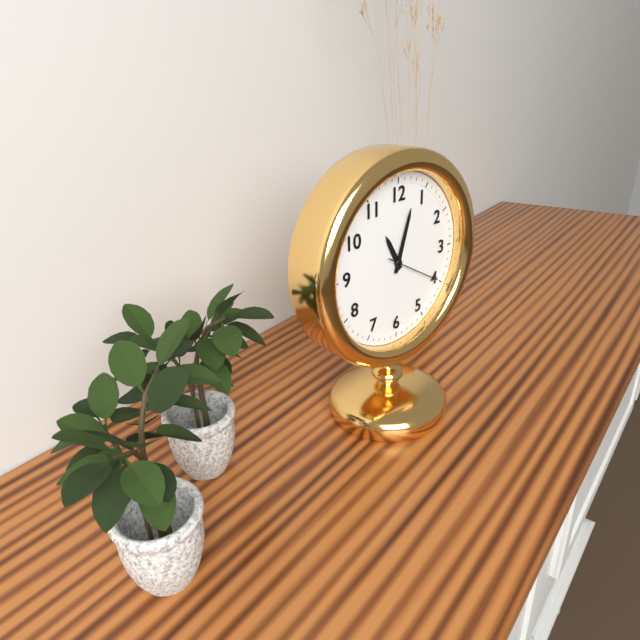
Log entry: {"hour": 11, "minute": 3, "second": 20}
